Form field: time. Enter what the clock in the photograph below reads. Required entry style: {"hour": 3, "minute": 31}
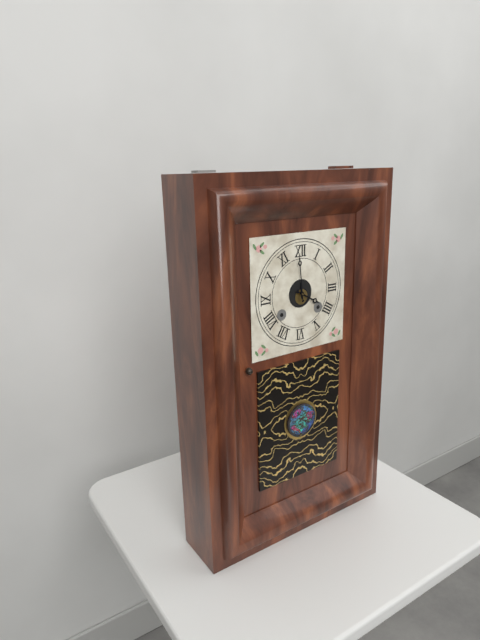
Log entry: {"hour": 3, "minute": 59}
